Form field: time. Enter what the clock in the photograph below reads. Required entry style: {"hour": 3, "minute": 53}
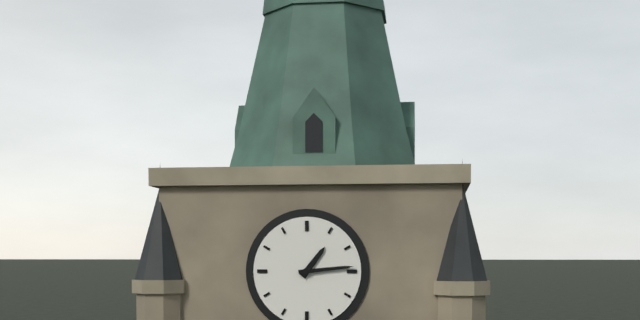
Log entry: {"hour": 1, "minute": 14}
